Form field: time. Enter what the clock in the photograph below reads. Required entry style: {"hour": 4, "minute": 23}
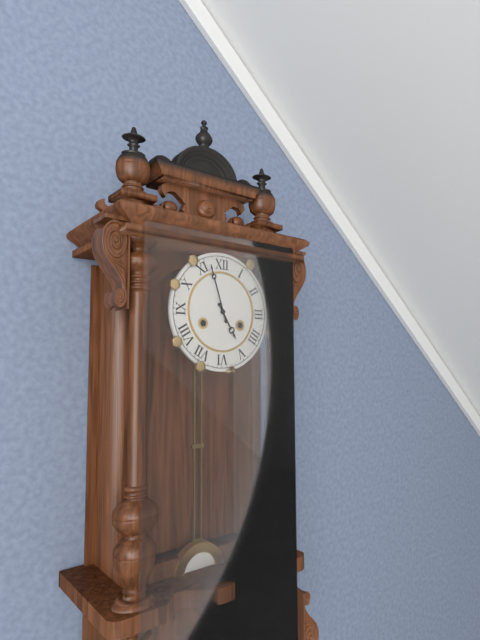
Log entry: {"hour": 4, "minute": 57}
